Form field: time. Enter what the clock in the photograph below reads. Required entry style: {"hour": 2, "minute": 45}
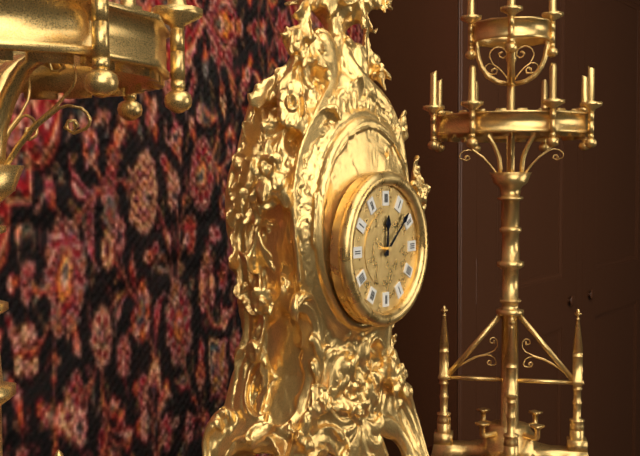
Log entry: {"hour": 12, "minute": 8}
